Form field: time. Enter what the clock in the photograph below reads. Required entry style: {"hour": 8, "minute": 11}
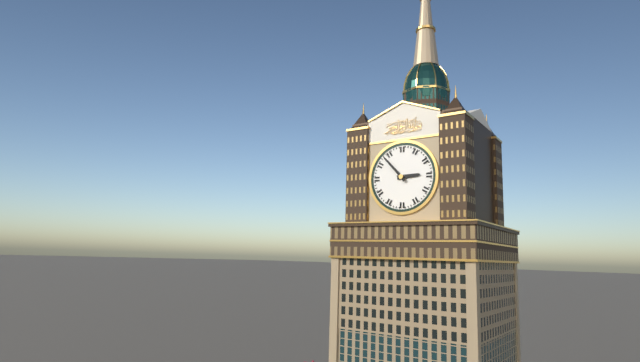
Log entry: {"hour": 2, "minute": 53}
